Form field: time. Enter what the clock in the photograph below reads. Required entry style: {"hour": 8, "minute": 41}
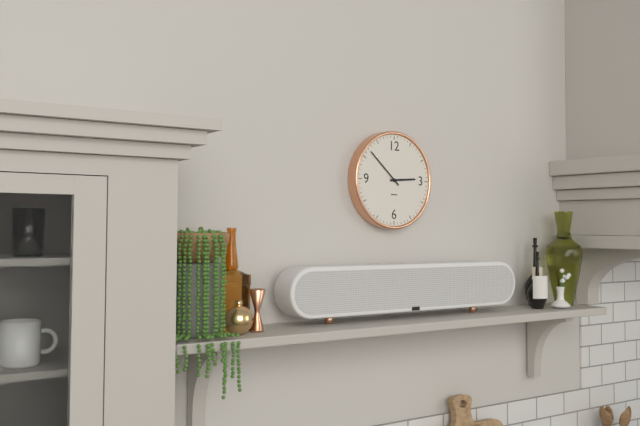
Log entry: {"hour": 2, "minute": 52}
